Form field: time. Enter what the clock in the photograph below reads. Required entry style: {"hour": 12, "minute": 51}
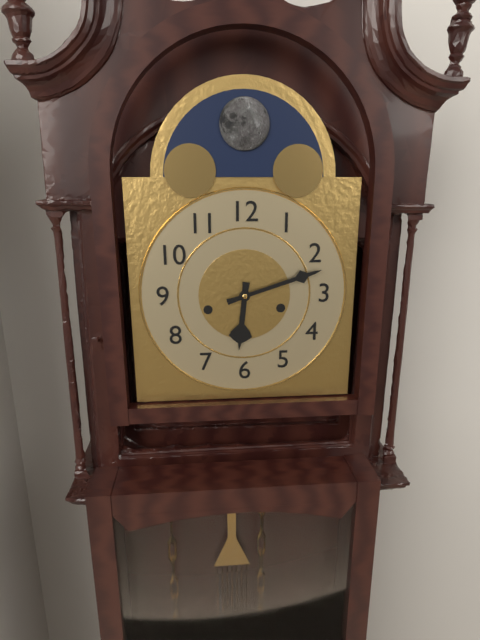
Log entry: {"hour": 6, "minute": 12}
